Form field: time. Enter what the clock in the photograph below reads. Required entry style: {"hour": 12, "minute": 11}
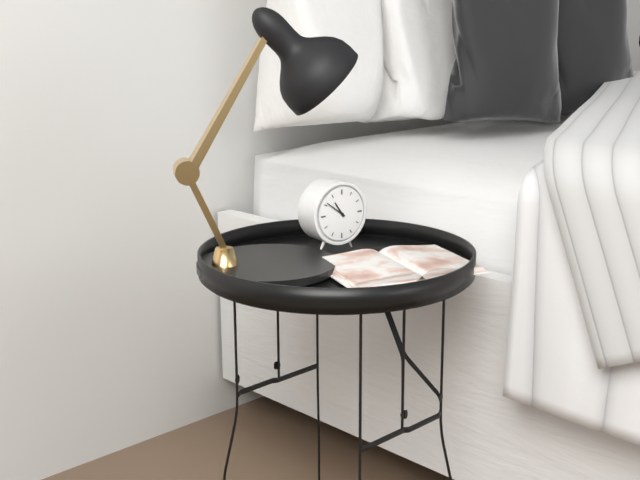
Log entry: {"hour": 10, "minute": 51}
